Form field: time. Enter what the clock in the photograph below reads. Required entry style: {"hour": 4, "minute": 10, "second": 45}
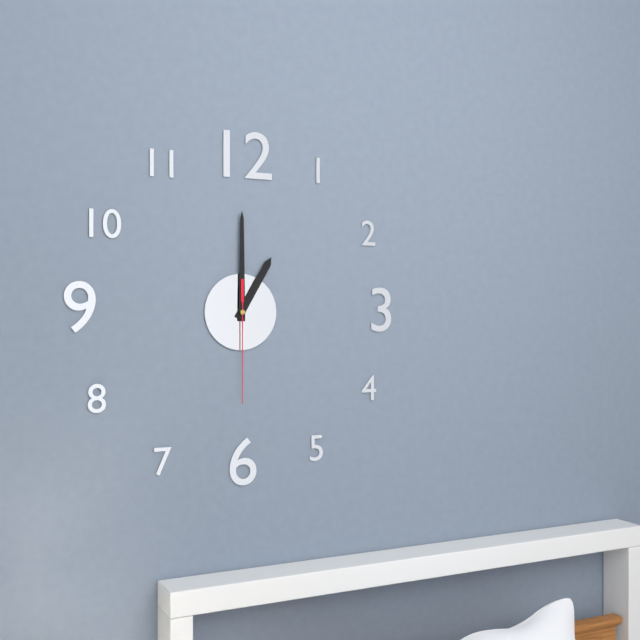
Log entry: {"hour": 1, "minute": 0, "second": 30}
